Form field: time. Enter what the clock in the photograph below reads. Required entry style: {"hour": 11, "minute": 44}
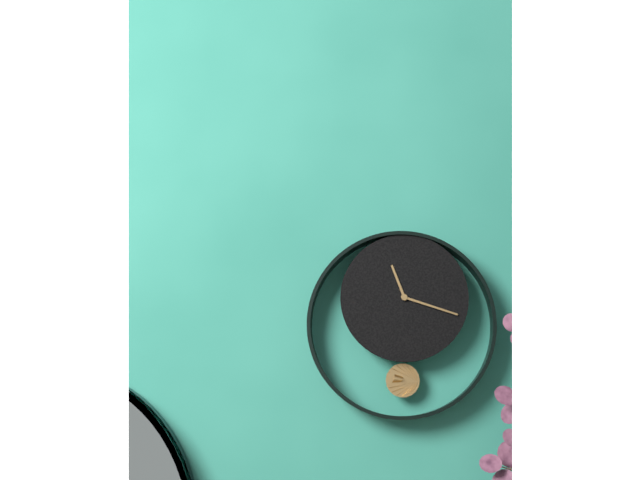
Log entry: {"hour": 11, "minute": 18}
